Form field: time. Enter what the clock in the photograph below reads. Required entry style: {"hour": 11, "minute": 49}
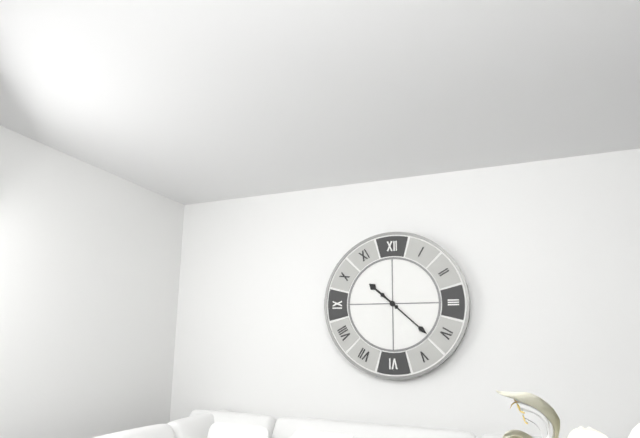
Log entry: {"hour": 10, "minute": 22}
